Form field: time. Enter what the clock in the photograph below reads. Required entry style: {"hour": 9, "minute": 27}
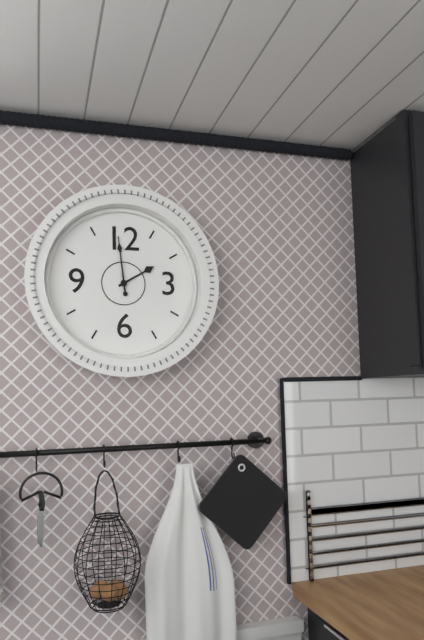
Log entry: {"hour": 1, "minute": 59}
